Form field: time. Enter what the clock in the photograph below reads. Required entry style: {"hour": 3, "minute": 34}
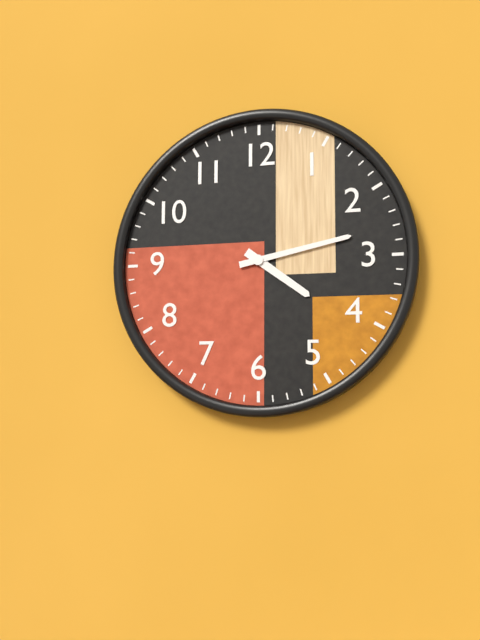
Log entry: {"hour": 4, "minute": 13}
